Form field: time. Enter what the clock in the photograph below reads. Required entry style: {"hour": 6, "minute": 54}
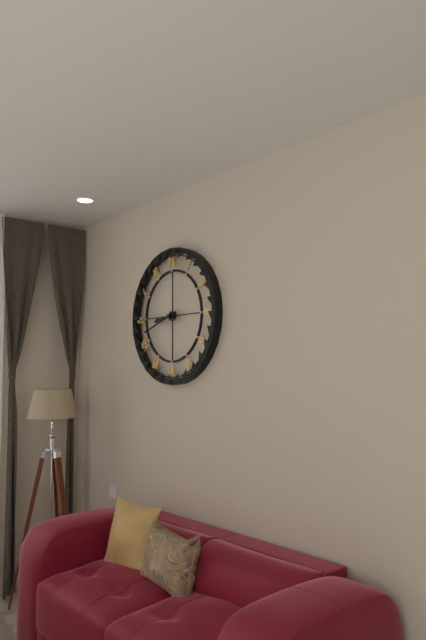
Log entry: {"hour": 8, "minute": 42}
